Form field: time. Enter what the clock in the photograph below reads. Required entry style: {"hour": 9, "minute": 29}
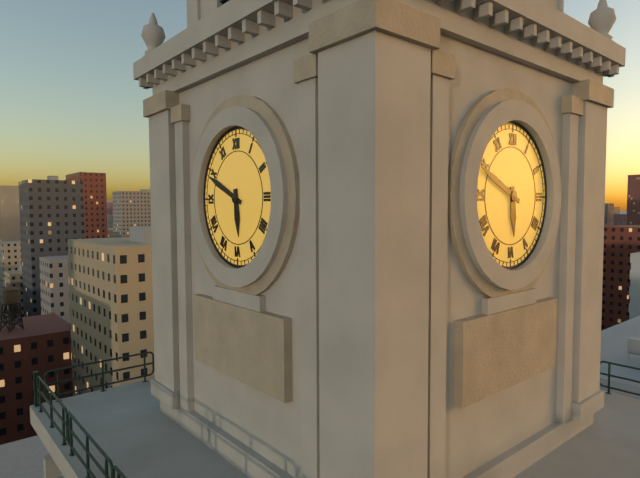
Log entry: {"hour": 5, "minute": 49}
